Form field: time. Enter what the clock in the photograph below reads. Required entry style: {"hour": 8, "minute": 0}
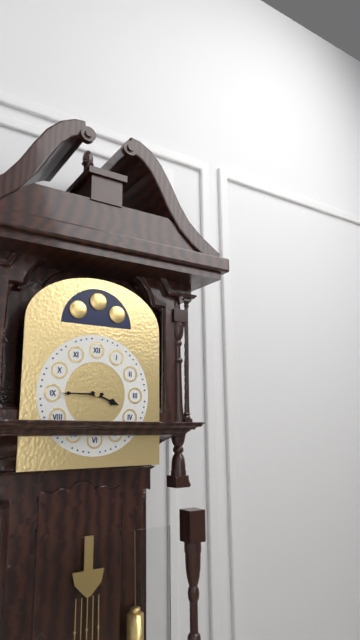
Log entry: {"hour": 3, "minute": 45}
